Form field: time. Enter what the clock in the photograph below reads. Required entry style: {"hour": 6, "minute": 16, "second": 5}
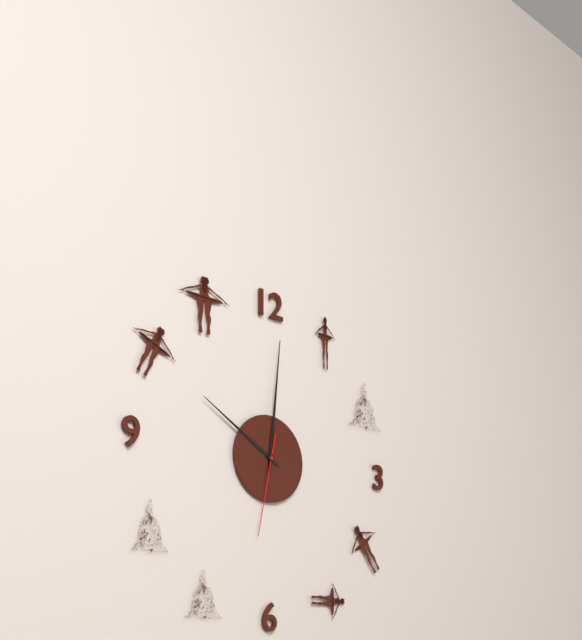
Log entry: {"hour": 10, "minute": 1, "second": 32}
